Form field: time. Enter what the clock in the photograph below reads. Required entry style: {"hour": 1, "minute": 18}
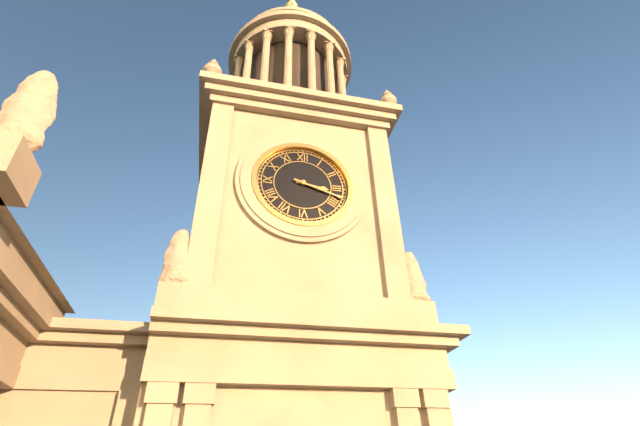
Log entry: {"hour": 3, "minute": 18}
